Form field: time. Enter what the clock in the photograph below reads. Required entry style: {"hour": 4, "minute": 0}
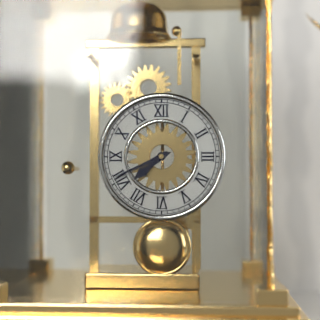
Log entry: {"hour": 7, "minute": 41}
